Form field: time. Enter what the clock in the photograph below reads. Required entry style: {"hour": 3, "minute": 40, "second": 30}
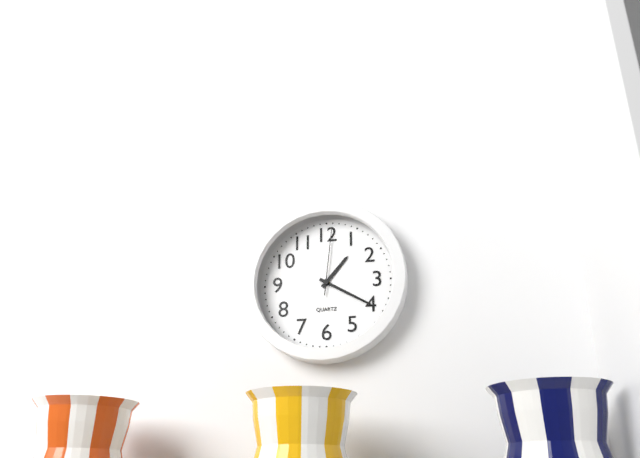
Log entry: {"hour": 1, "minute": 20, "second": 1}
